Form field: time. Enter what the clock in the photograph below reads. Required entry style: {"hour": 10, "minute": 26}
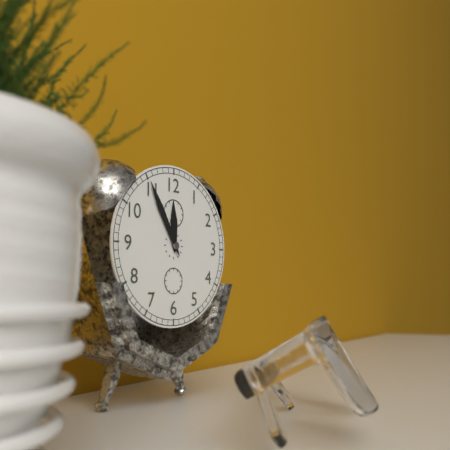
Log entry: {"hour": 11, "minute": 55}
